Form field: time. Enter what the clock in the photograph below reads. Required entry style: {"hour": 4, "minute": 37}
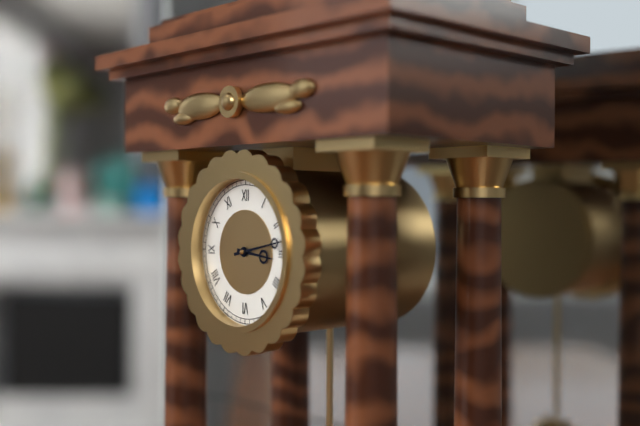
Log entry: {"hour": 3, "minute": 13}
